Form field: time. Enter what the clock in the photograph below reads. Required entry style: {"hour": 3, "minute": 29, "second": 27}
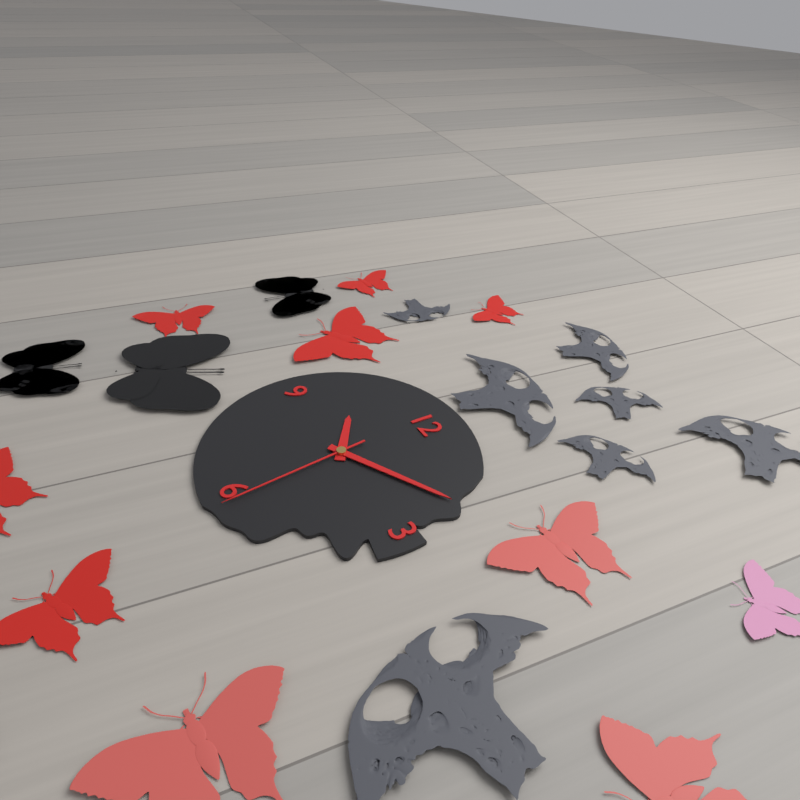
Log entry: {"hour": 10, "minute": 10, "second": 29}
